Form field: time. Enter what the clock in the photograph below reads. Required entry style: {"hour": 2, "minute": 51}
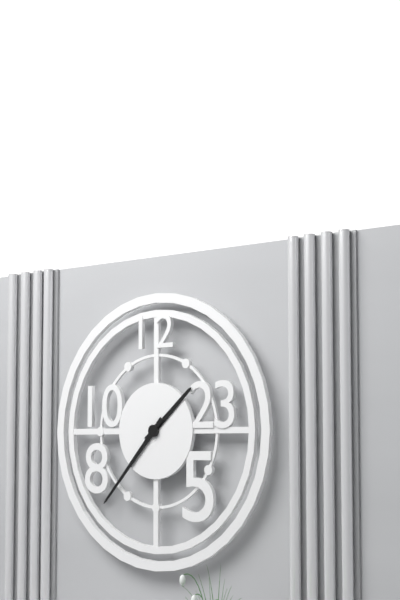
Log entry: {"hour": 1, "minute": 37}
